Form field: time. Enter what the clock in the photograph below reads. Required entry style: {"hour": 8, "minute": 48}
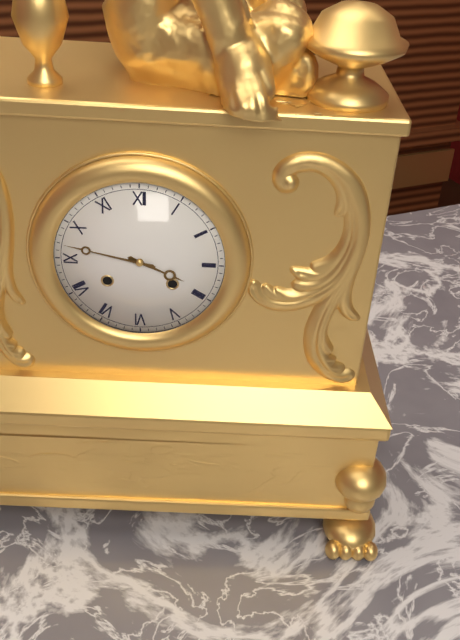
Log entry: {"hour": 3, "minute": 47}
